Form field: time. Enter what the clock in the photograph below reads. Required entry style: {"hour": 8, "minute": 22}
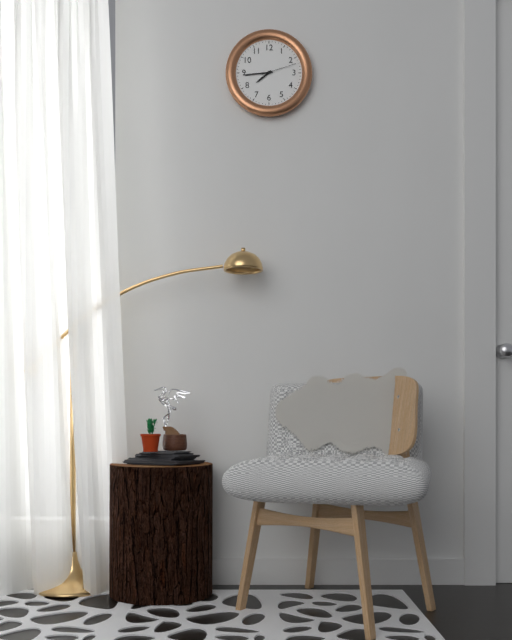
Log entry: {"hour": 7, "minute": 44}
